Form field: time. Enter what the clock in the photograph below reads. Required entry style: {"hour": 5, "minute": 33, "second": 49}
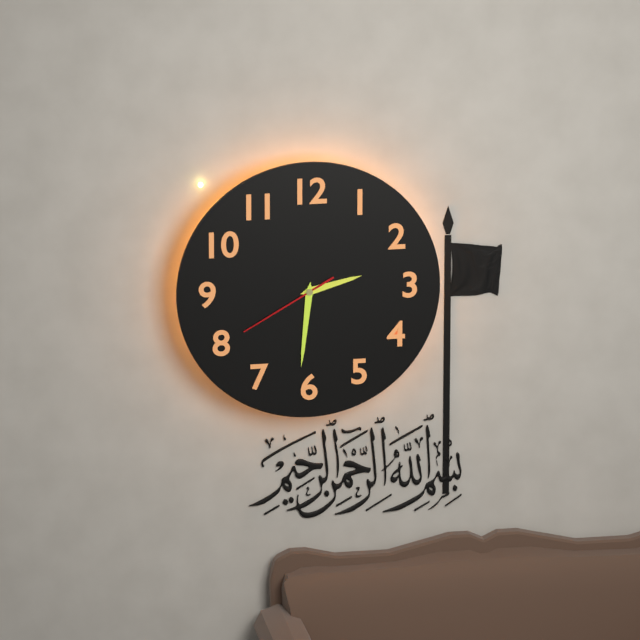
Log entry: {"hour": 2, "minute": 31, "second": 40}
